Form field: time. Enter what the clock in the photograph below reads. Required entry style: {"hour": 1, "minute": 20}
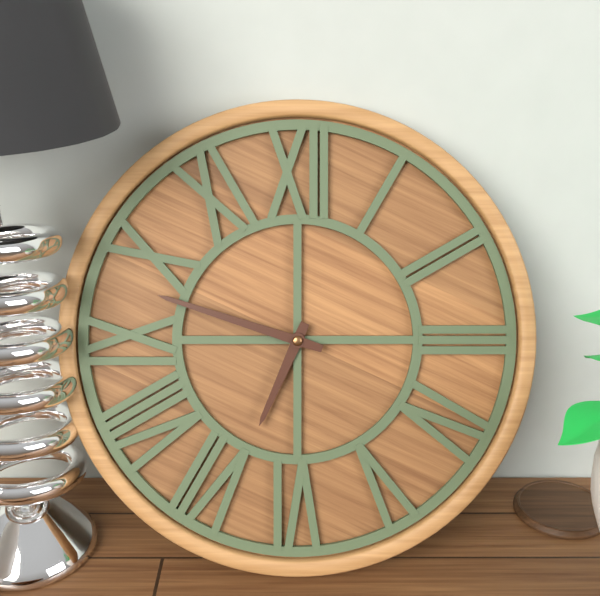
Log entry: {"hour": 6, "minute": 48}
